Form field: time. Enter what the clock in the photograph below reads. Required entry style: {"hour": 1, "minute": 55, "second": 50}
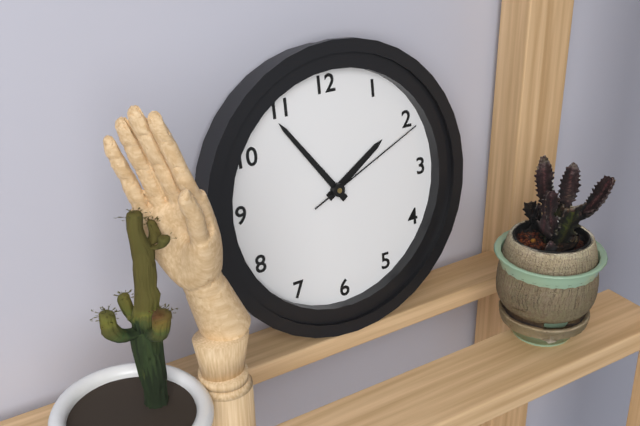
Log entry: {"hour": 1, "minute": 54, "second": 11}
